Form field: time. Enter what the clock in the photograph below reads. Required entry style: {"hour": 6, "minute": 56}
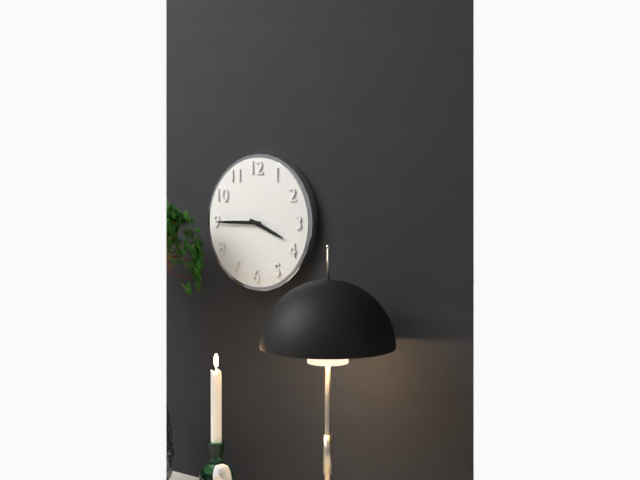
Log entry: {"hour": 3, "minute": 45}
